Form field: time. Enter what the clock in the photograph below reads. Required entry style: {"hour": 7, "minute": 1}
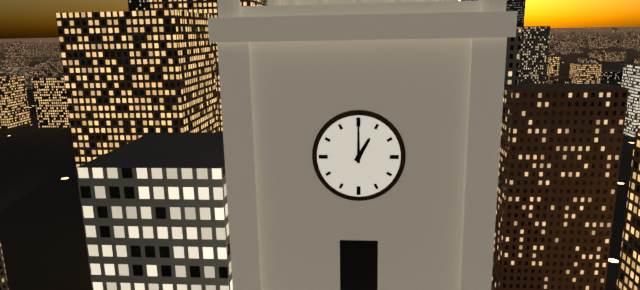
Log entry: {"hour": 1, "minute": 0}
